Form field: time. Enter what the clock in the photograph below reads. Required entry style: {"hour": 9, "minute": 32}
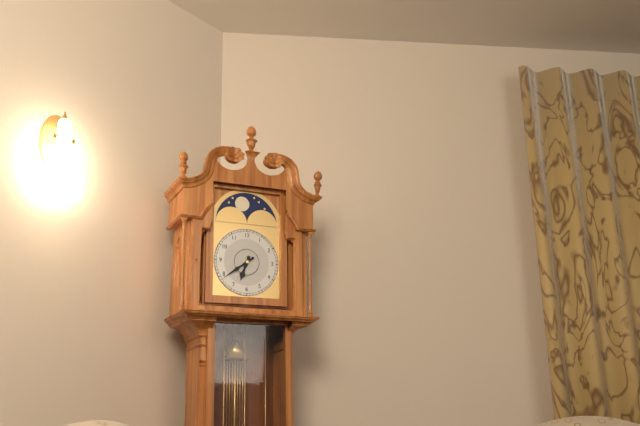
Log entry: {"hour": 6, "minute": 39}
